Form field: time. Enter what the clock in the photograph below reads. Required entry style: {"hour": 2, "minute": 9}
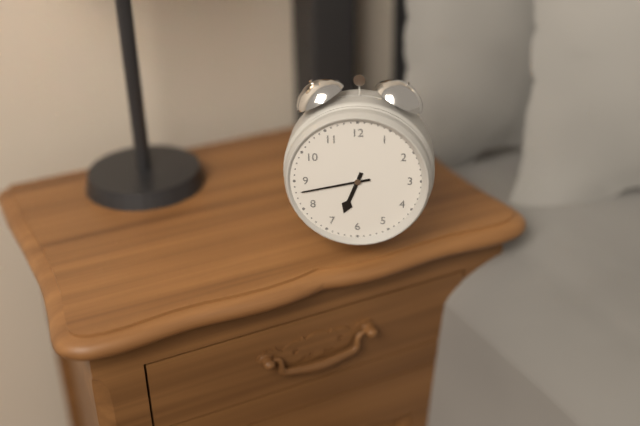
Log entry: {"hour": 6, "minute": 43}
